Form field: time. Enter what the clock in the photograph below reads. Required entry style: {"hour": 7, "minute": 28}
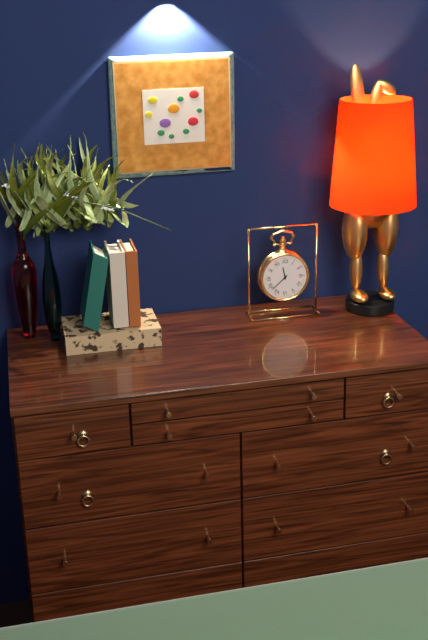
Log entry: {"hour": 11, "minute": 38}
